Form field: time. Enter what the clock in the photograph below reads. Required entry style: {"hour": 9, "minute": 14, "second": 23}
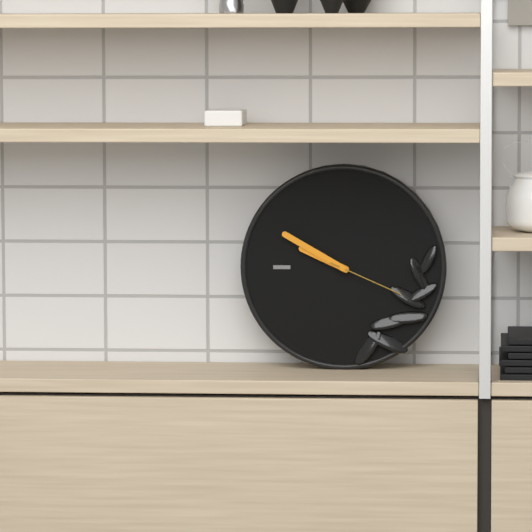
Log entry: {"hour": 9, "minute": 50, "second": 19}
